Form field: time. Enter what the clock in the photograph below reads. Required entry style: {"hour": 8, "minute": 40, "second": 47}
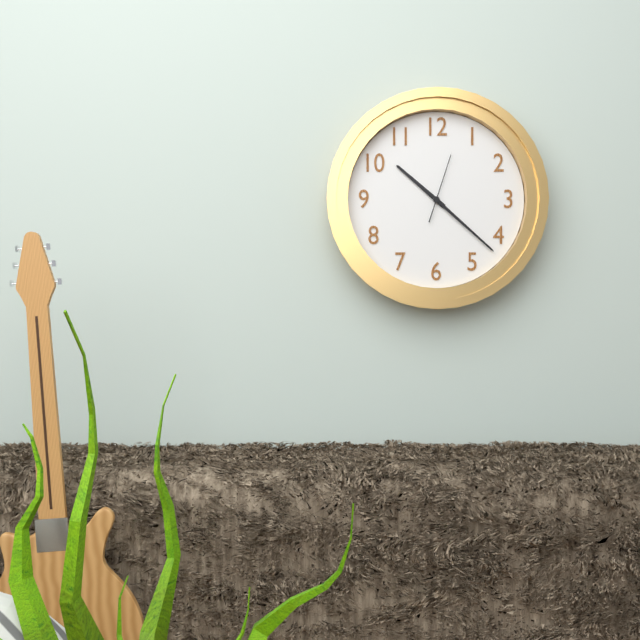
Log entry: {"hour": 10, "minute": 22, "second": 3}
